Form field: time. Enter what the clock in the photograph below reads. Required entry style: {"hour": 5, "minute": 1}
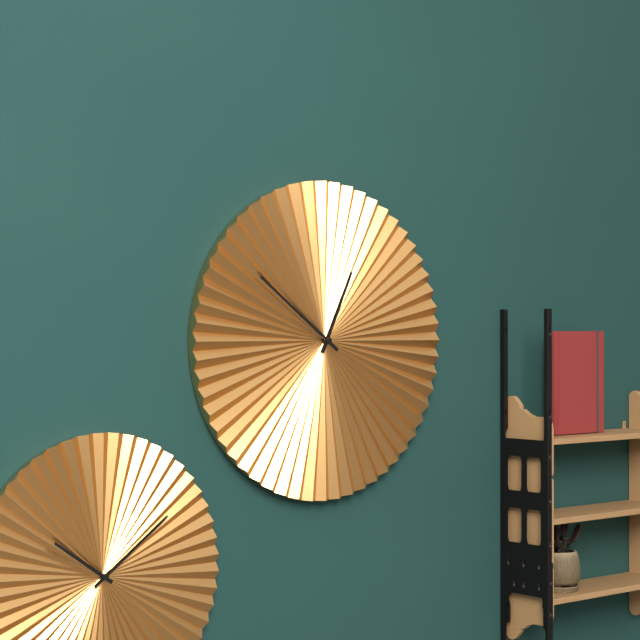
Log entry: {"hour": 12, "minute": 51}
